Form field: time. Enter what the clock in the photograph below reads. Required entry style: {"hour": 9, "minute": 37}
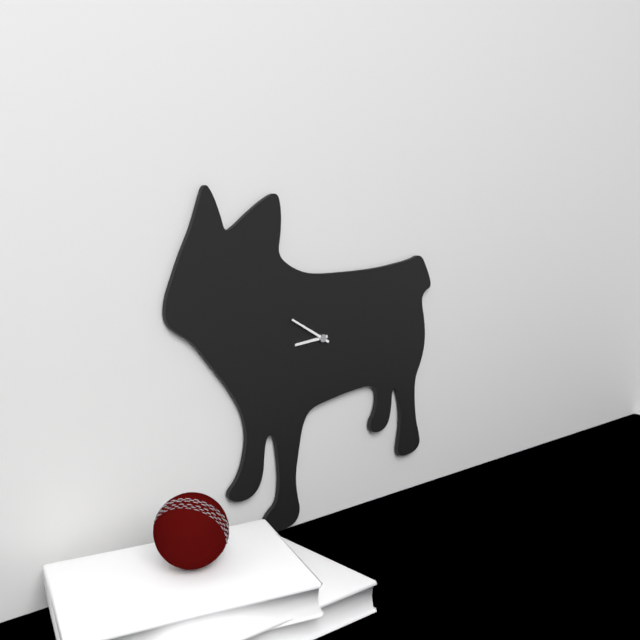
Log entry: {"hour": 8, "minute": 50}
